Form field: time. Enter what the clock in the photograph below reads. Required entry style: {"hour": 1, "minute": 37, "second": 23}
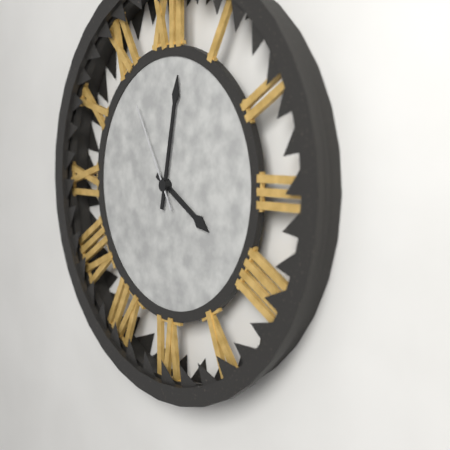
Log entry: {"hour": 4, "minute": 2, "second": 55}
